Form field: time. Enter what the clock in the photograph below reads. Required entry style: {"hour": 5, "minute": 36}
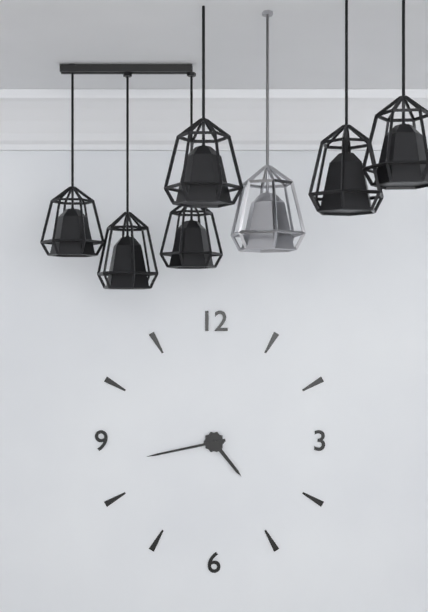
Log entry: {"hour": 4, "minute": 43}
